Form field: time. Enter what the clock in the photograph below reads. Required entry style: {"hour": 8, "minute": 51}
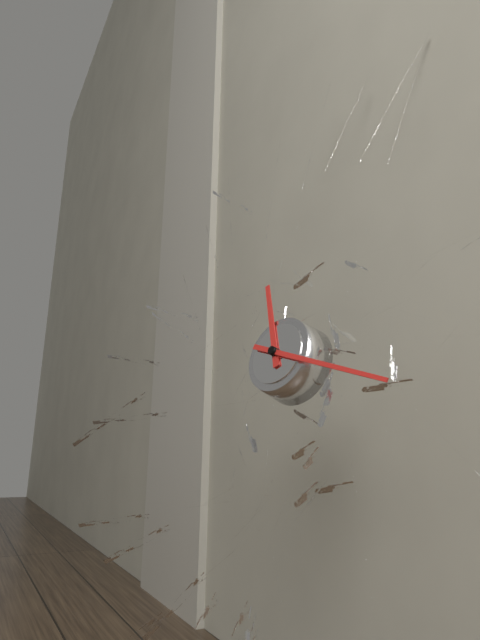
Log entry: {"hour": 11, "minute": 18}
